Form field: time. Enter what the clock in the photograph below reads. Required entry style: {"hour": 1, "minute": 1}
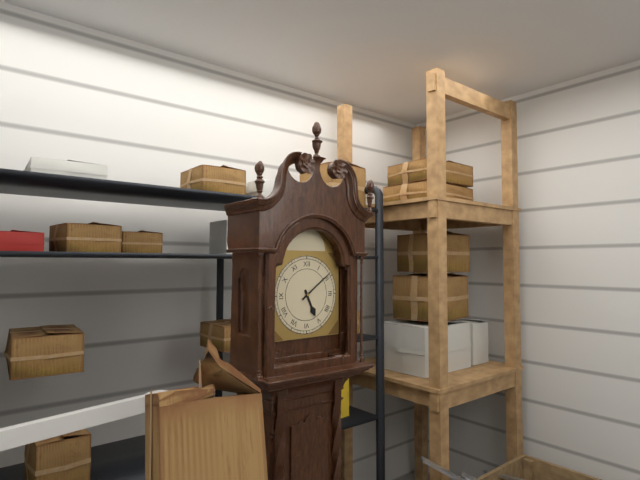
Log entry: {"hour": 5, "minute": 9}
